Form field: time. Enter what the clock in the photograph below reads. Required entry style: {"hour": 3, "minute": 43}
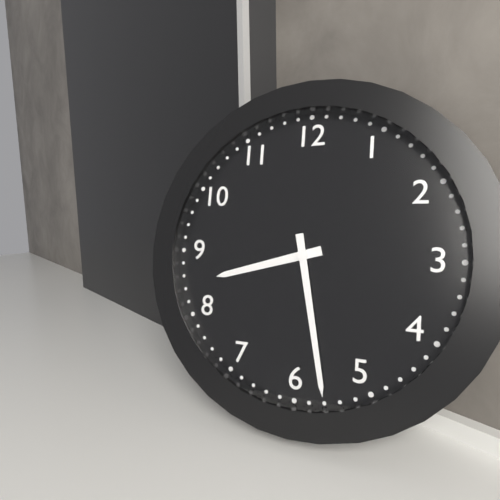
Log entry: {"hour": 8, "minute": 28}
